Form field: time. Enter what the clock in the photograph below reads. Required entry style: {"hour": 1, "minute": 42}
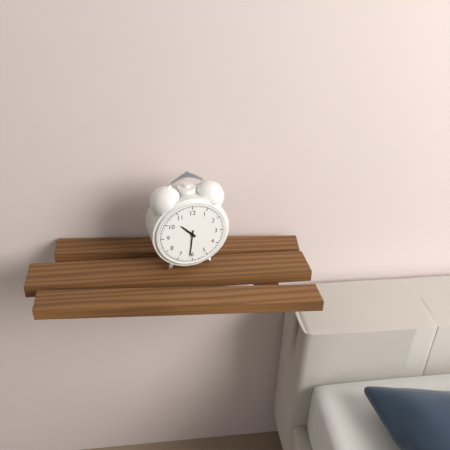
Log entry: {"hour": 10, "minute": 31}
